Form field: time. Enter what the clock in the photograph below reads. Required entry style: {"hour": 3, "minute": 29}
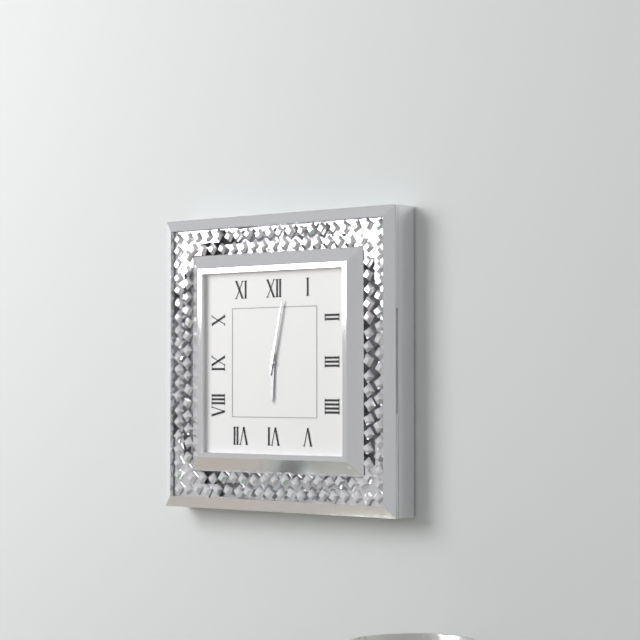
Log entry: {"hour": 6, "minute": 2}
